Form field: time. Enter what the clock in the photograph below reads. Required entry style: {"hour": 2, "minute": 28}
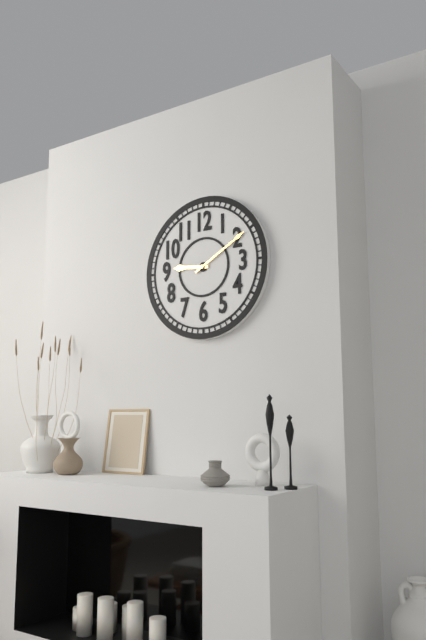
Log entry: {"hour": 9, "minute": 10}
